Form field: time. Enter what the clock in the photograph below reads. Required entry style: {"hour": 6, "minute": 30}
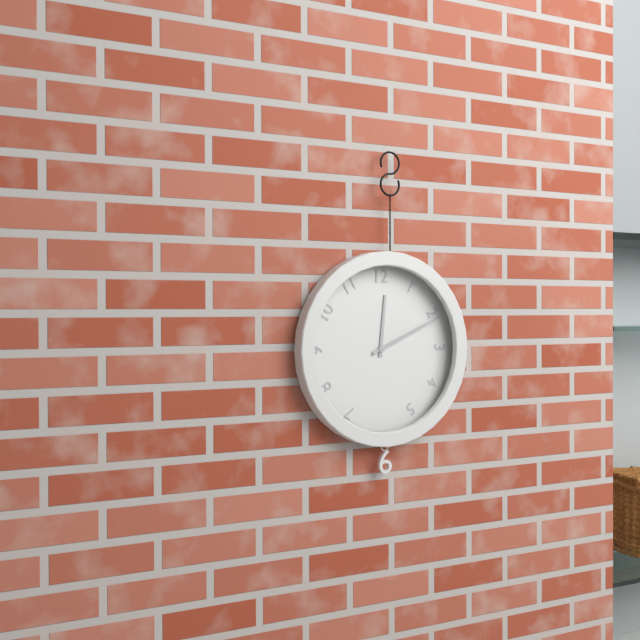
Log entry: {"hour": 12, "minute": 11}
